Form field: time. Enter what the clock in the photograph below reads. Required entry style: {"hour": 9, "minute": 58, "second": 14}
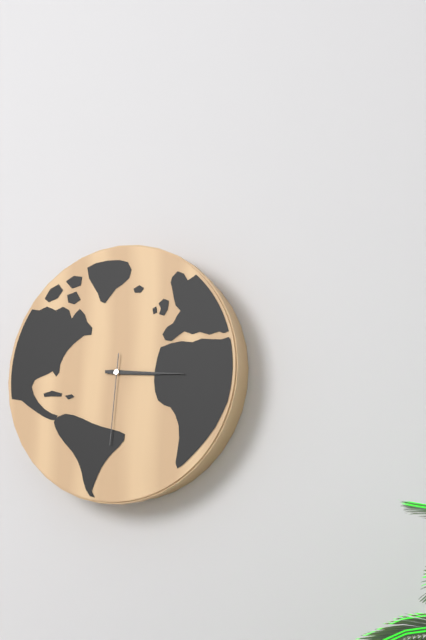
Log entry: {"hour": 3, "minute": 16, "second": 31}
